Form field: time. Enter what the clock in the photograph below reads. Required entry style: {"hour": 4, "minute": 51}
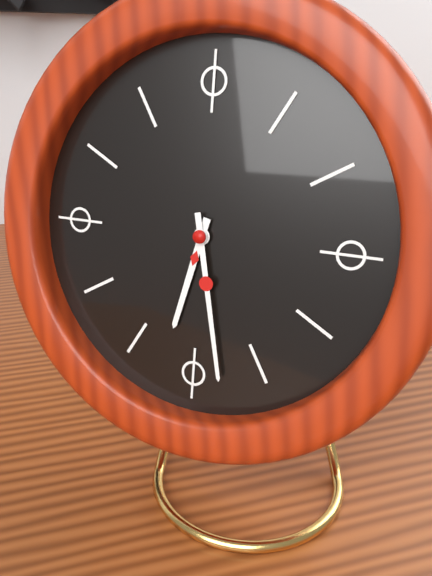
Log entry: {"hour": 6, "minute": 28}
